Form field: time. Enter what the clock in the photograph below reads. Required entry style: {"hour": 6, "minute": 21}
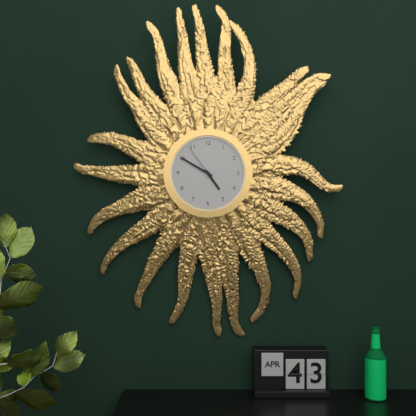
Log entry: {"hour": 4, "minute": 50}
